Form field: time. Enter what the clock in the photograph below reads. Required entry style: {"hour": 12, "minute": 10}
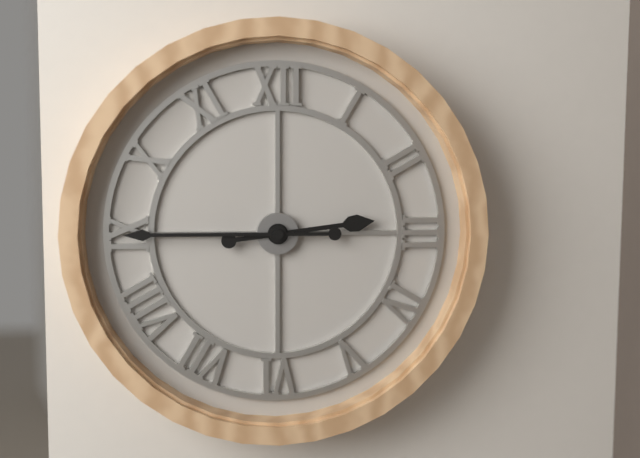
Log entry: {"hour": 2, "minute": 45}
